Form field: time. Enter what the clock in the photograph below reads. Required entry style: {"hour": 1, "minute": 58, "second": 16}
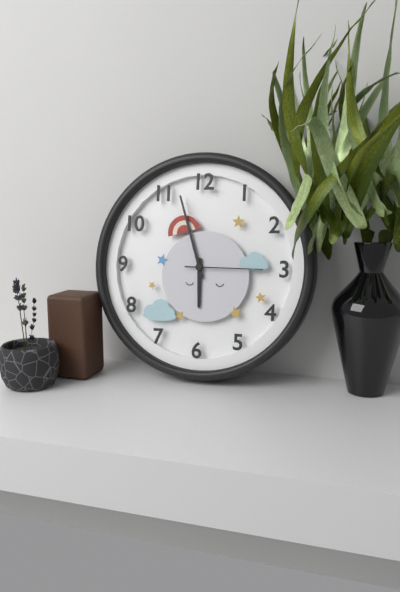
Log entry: {"hour": 5, "minute": 57, "second": 15}
